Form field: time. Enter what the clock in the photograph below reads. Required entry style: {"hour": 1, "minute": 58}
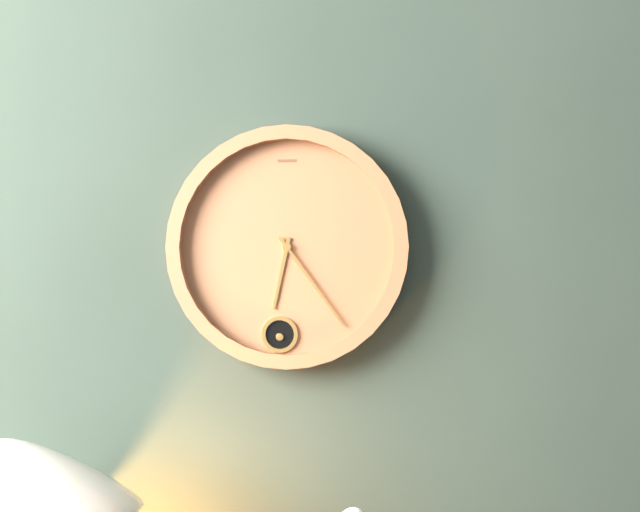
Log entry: {"hour": 6, "minute": 24}
